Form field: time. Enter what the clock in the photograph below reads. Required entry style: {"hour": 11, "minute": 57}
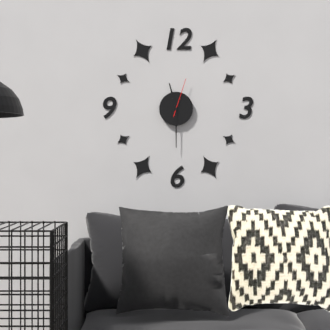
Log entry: {"hour": 11, "minute": 30}
